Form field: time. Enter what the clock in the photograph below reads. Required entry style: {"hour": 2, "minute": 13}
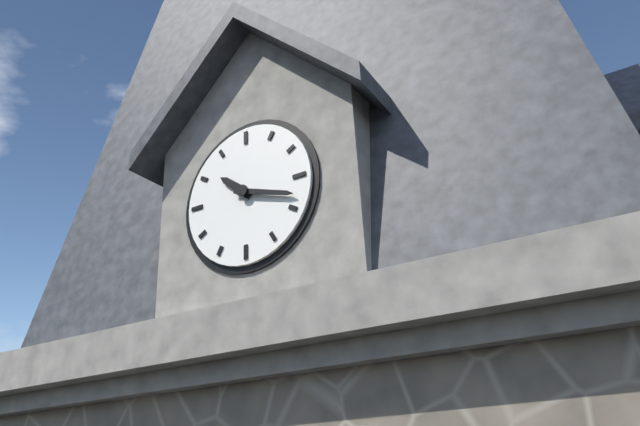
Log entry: {"hour": 10, "minute": 18}
